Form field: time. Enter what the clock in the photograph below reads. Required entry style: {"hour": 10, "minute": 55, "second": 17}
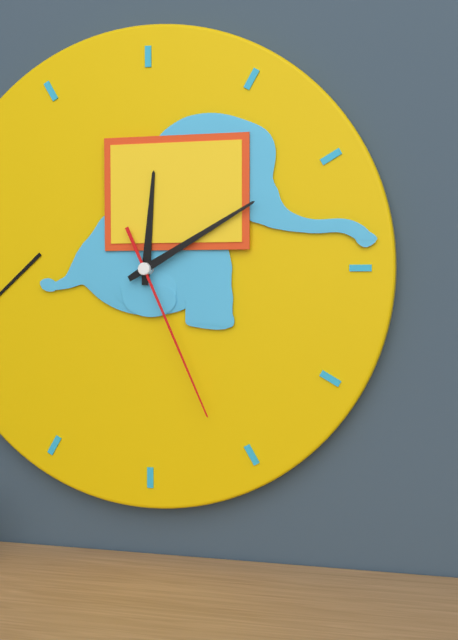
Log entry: {"hour": 12, "minute": 10, "second": 26}
